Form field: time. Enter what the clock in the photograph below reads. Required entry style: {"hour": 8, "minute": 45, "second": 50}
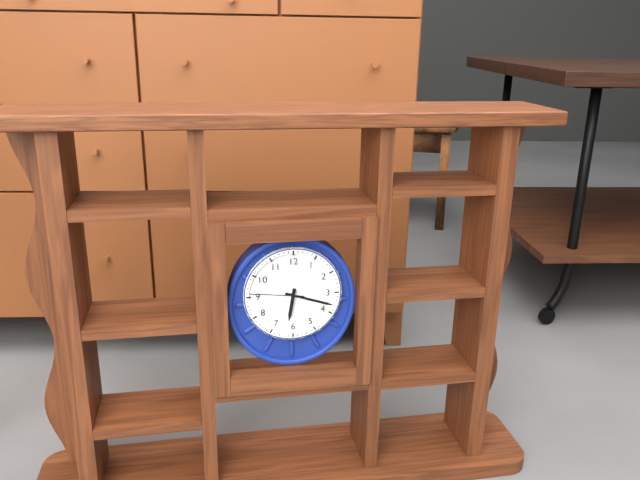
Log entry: {"hour": 6, "minute": 18, "second": 46}
